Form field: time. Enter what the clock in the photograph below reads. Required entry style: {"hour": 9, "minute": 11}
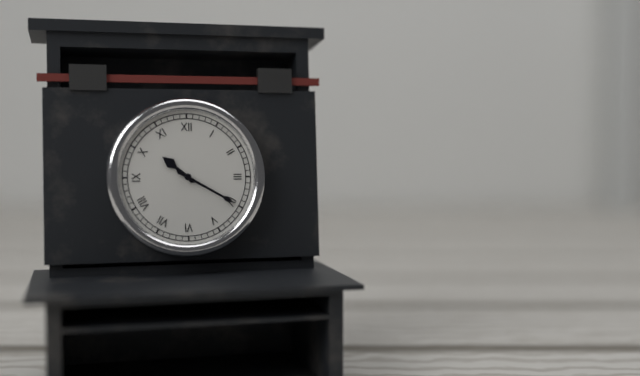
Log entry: {"hour": 10, "minute": 20}
